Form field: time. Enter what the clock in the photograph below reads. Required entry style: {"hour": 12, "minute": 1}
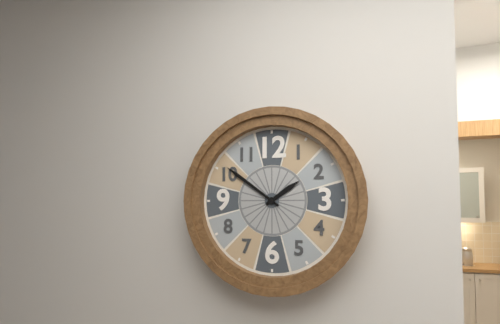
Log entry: {"hour": 1, "minute": 51}
